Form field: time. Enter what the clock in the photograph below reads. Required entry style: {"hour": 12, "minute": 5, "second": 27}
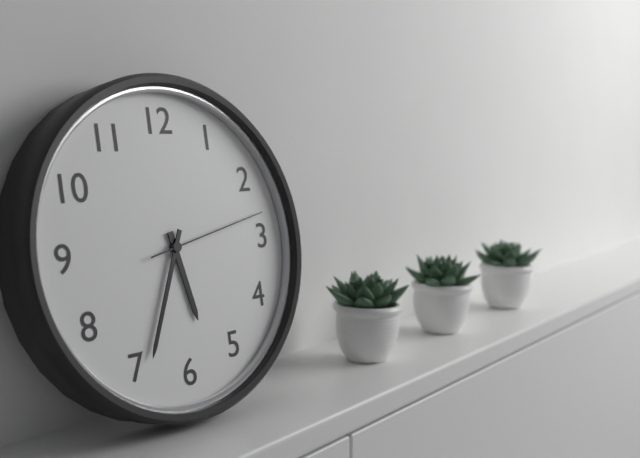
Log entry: {"hour": 5, "minute": 34, "second": 13}
